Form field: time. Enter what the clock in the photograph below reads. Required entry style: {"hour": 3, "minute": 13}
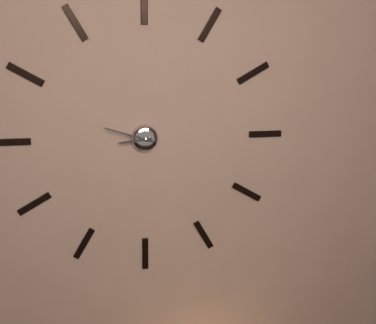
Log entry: {"hour": 8, "minute": 48}
